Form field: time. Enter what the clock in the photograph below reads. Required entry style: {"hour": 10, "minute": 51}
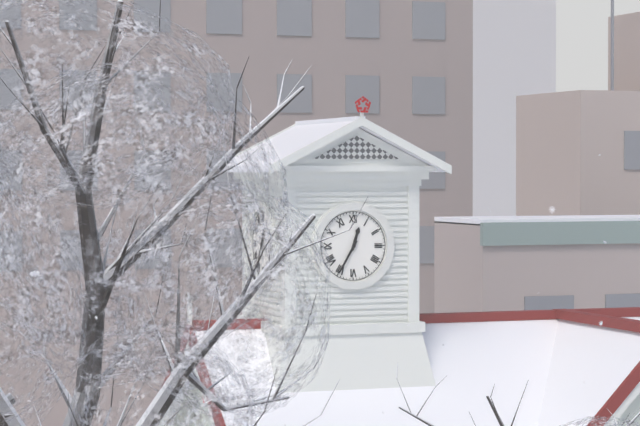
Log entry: {"hour": 12, "minute": 35}
